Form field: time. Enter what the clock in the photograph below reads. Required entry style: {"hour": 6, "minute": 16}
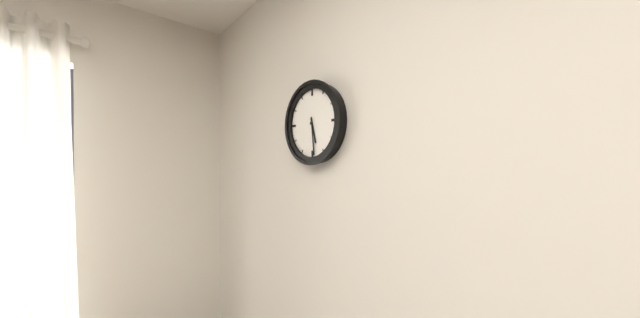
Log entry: {"hour": 5, "minute": 29}
